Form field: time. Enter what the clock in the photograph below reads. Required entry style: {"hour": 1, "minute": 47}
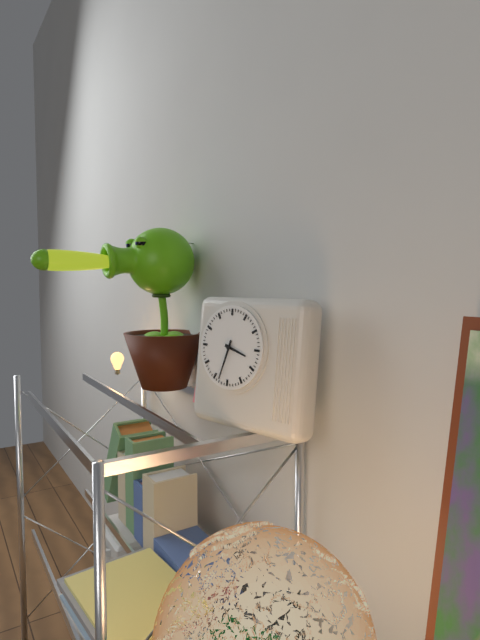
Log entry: {"hour": 3, "minute": 33}
